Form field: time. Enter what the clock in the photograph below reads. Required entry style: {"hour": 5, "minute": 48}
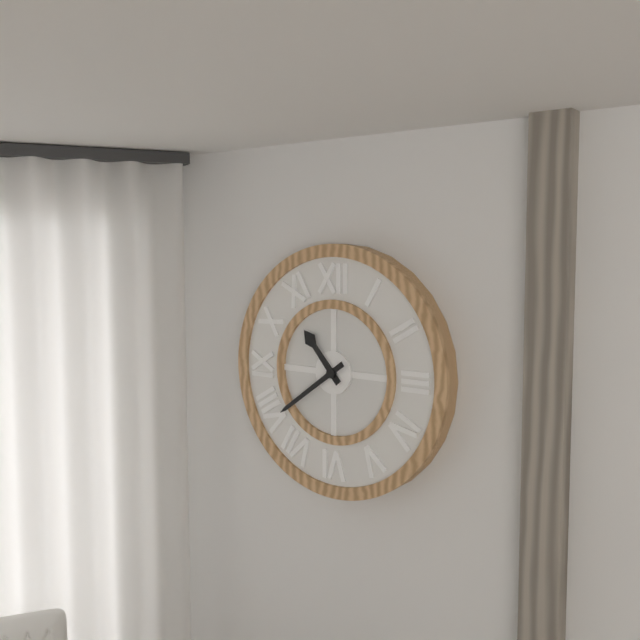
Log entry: {"hour": 10, "minute": 39}
